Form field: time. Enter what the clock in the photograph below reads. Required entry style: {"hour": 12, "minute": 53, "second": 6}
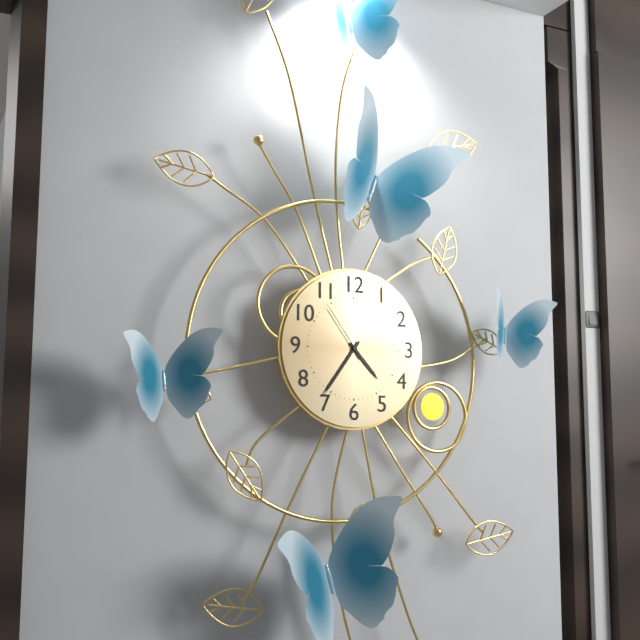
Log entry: {"hour": 4, "minute": 36, "second": 54}
